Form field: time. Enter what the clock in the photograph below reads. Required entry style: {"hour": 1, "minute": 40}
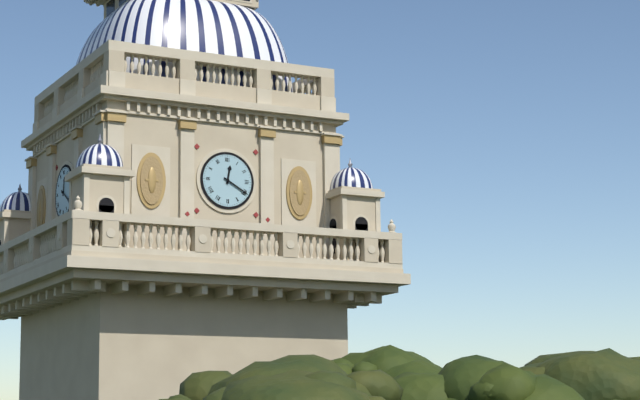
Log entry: {"hour": 12, "minute": 20}
